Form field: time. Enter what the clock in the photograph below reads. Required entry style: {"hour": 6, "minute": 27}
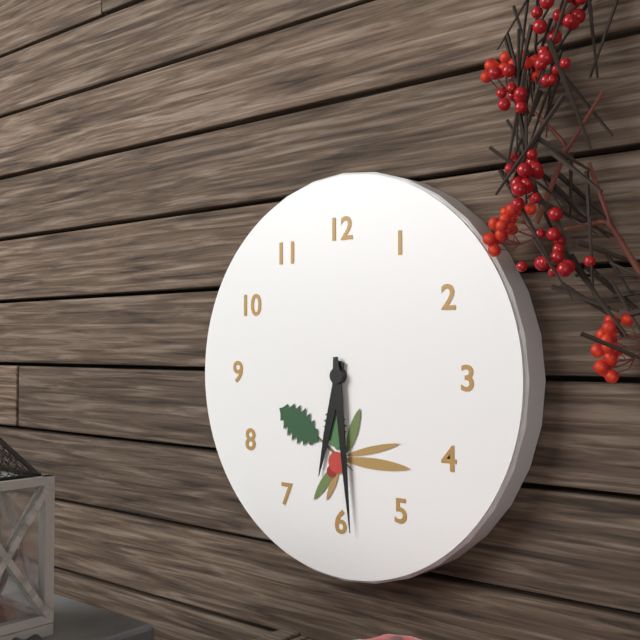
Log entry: {"hour": 6, "minute": 29}
